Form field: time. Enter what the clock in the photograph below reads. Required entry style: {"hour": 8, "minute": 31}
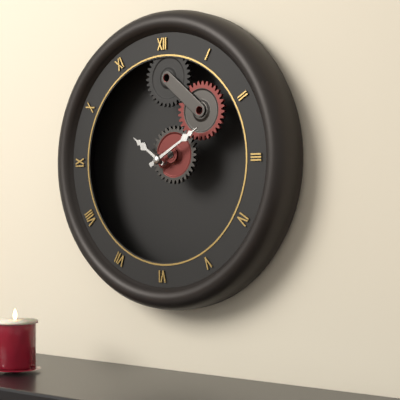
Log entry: {"hour": 10, "minute": 10}
